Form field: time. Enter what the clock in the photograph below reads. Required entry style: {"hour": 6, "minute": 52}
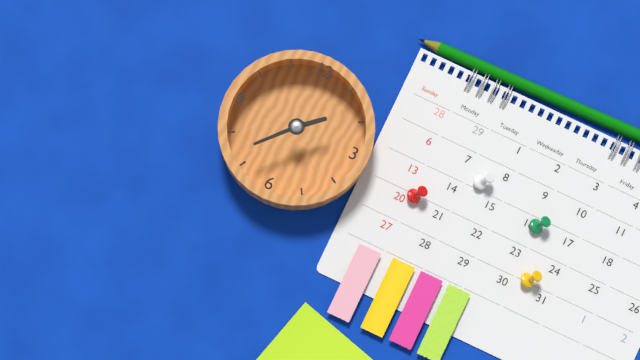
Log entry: {"hour": 1, "minute": 37}
